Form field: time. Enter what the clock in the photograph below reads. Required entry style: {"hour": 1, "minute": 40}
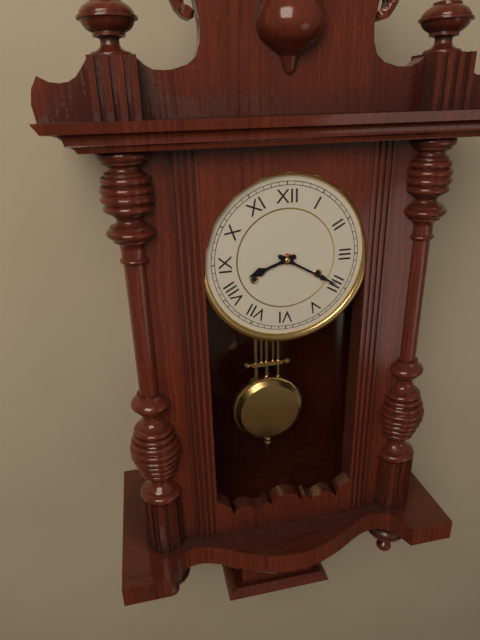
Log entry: {"hour": 8, "minute": 20}
